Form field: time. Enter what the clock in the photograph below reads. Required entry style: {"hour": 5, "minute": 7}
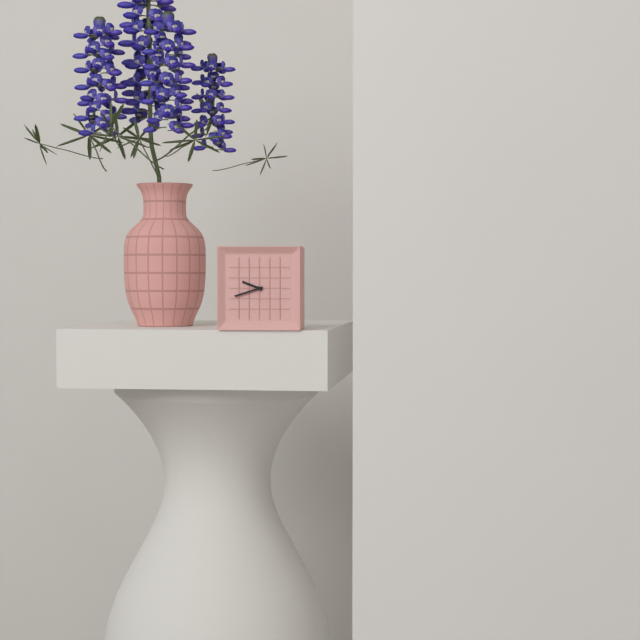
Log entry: {"hour": 9, "minute": 42}
